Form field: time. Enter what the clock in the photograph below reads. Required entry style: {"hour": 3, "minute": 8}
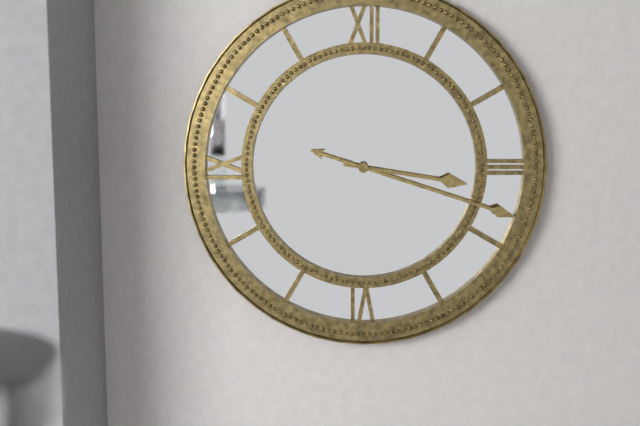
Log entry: {"hour": 3, "minute": 18}
